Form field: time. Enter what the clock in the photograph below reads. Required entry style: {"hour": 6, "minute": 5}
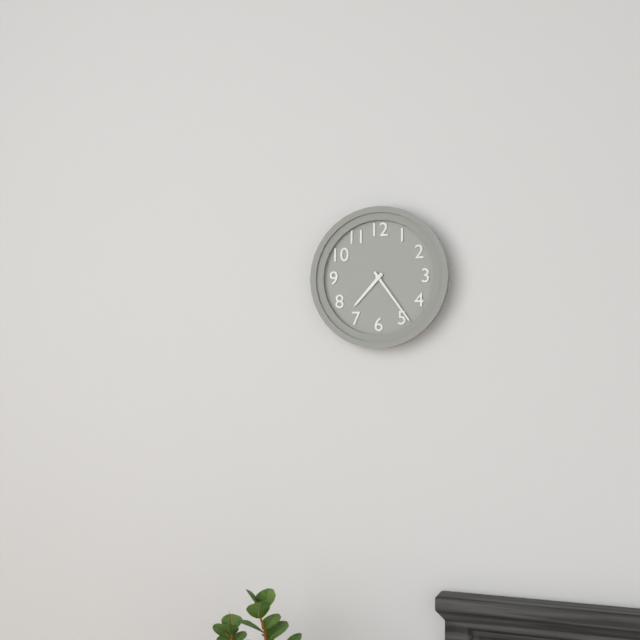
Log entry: {"hour": 7, "minute": 24}
